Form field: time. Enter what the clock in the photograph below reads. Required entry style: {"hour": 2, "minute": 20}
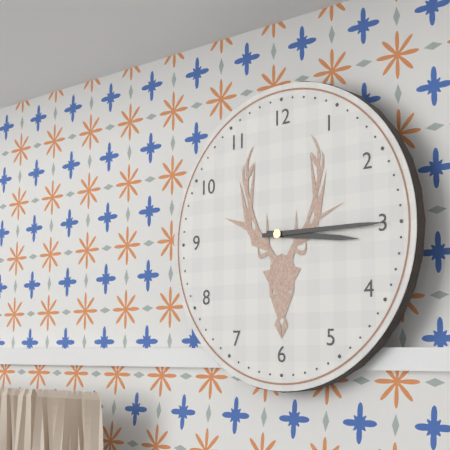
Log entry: {"hour": 3, "minute": 15}
